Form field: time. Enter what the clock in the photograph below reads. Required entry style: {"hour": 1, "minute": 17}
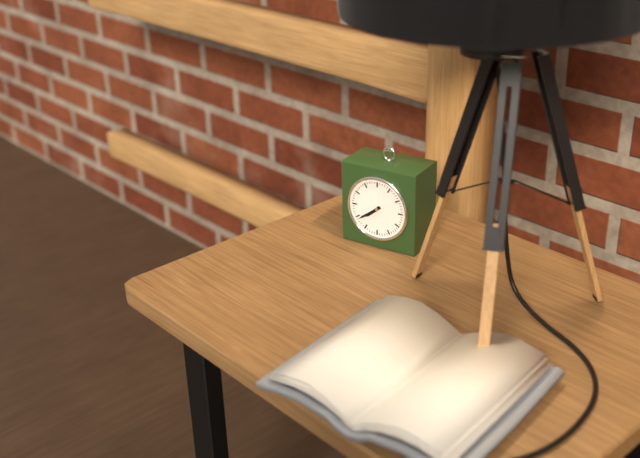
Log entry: {"hour": 7, "minute": 39}
